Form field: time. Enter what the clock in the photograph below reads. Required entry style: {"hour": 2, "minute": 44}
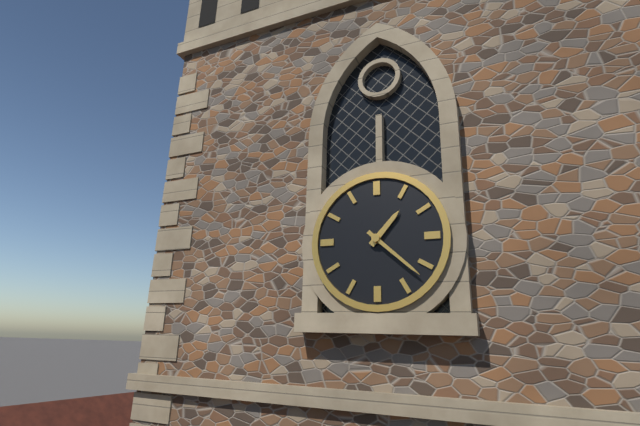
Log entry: {"hour": 1, "minute": 22}
